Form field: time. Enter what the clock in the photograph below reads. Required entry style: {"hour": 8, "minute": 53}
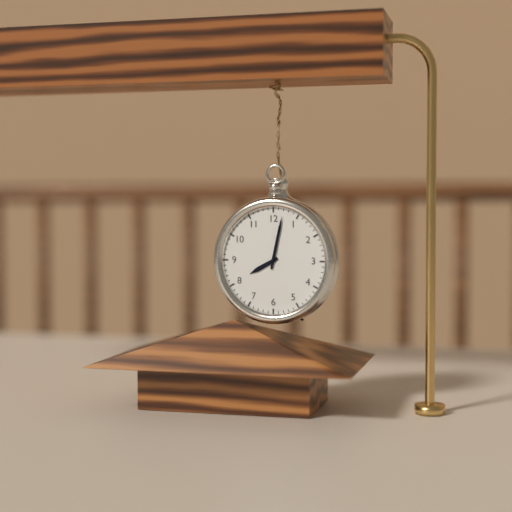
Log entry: {"hour": 8, "minute": 2}
